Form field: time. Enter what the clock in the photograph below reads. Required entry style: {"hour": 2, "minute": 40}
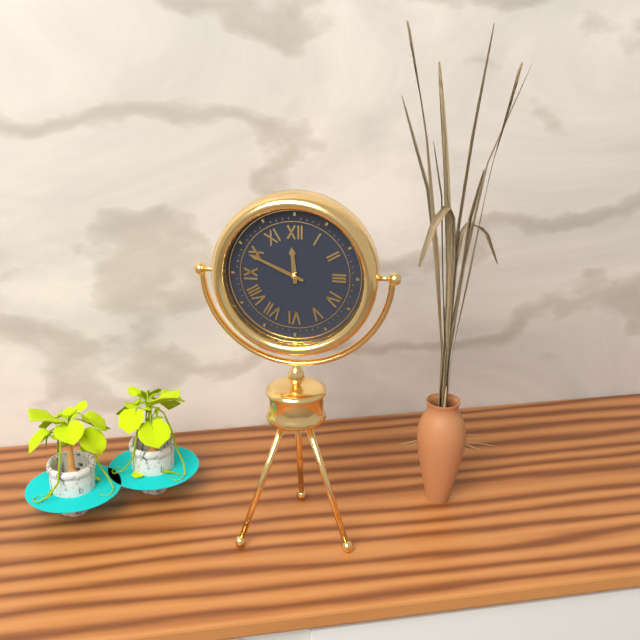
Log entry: {"hour": 11, "minute": 49}
